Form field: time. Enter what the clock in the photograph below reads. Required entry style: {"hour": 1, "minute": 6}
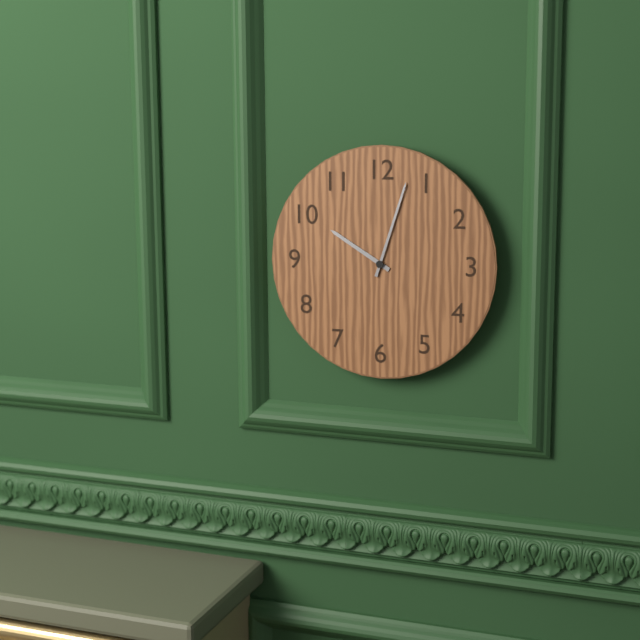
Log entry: {"hour": 10, "minute": 3}
